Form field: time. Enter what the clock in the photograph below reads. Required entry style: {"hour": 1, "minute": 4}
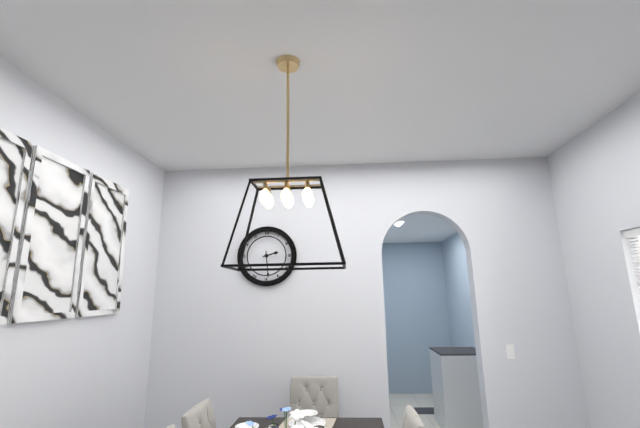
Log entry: {"hour": 2, "minute": 29}
